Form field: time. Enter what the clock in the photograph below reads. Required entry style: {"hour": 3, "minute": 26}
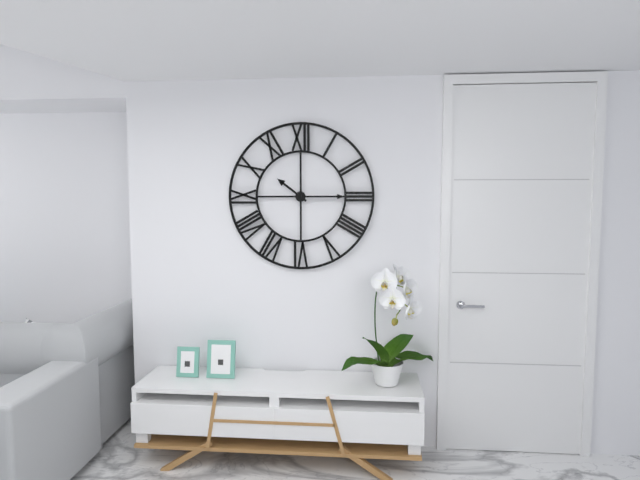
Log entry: {"hour": 10, "minute": 15}
